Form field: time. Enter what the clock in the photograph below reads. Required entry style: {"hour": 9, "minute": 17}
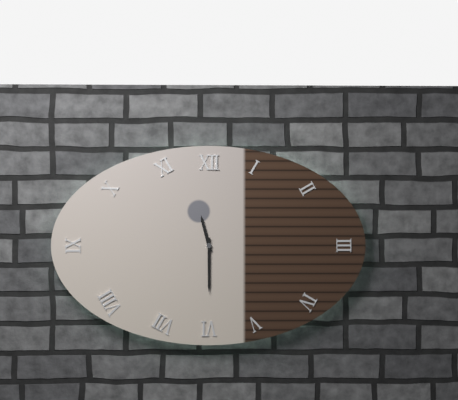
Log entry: {"hour": 11, "minute": 30}
